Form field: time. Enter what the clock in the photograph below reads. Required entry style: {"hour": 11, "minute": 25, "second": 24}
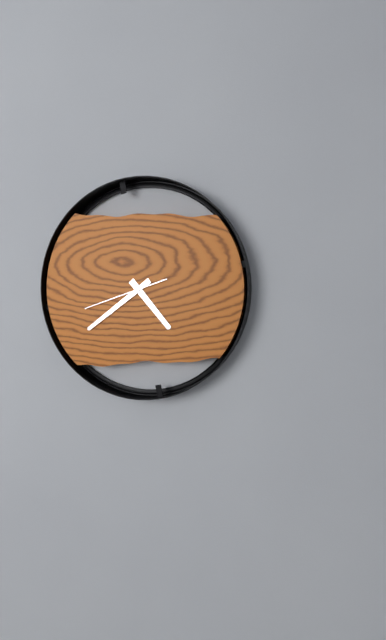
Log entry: {"hour": 4, "minute": 39, "second": 42}
